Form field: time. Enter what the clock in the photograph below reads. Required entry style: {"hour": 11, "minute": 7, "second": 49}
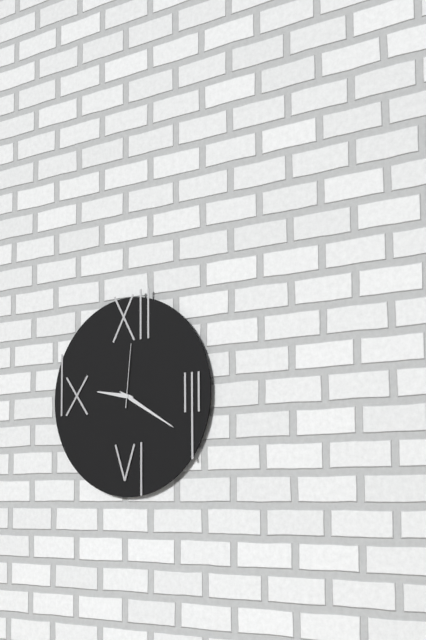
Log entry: {"hour": 9, "minute": 20, "second": 1}
